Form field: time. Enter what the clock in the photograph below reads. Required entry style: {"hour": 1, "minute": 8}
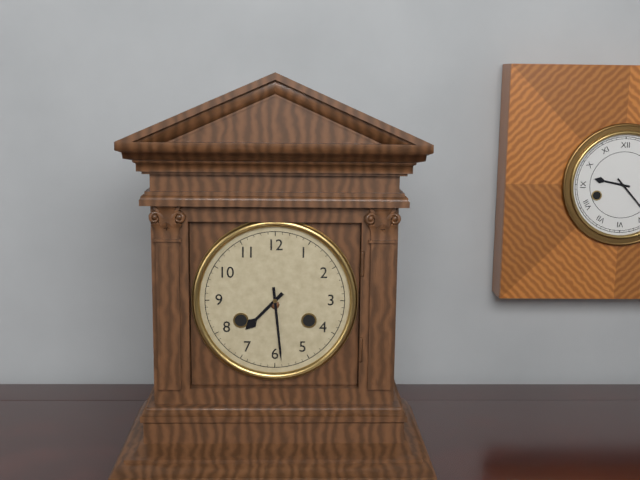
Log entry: {"hour": 7, "minute": 29}
